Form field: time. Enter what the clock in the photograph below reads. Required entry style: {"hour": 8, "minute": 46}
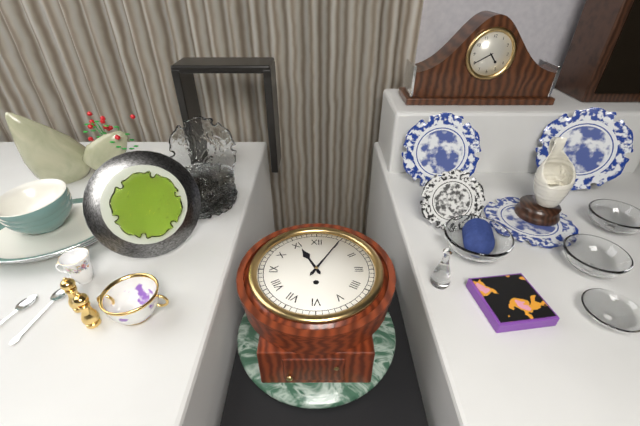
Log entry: {"hour": 11, "minute": 5}
